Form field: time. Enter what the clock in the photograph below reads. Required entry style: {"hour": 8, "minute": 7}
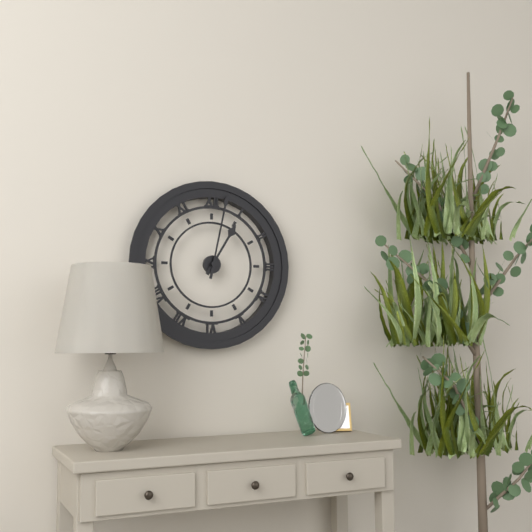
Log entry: {"hour": 1, "minute": 2}
